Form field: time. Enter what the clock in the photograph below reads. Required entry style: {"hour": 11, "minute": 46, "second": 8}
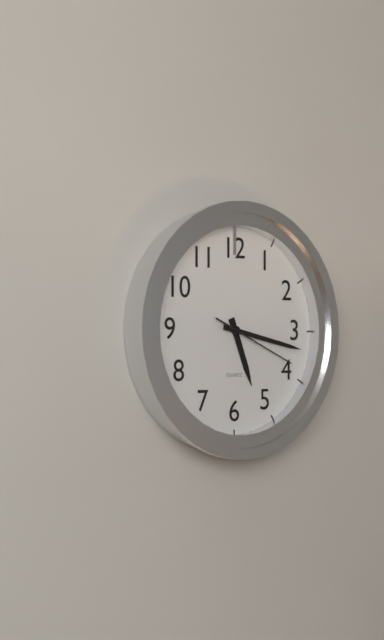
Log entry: {"hour": 5, "minute": 17, "second": 19}
